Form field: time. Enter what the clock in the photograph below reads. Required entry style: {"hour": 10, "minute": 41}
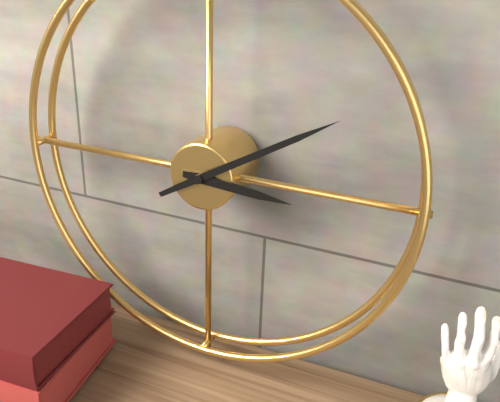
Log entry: {"hour": 3, "minute": 10}
